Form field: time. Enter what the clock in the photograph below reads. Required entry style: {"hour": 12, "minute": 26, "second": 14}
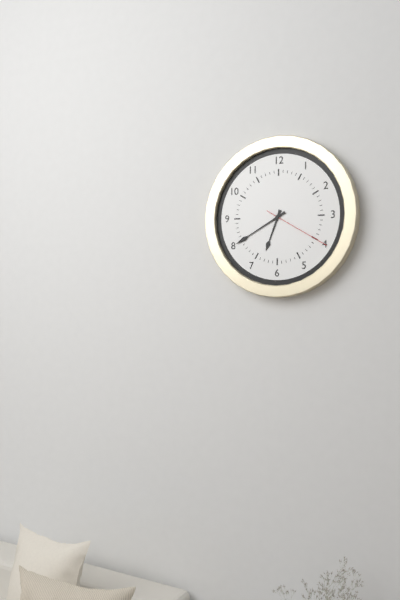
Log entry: {"hour": 6, "minute": 40, "second": 20}
